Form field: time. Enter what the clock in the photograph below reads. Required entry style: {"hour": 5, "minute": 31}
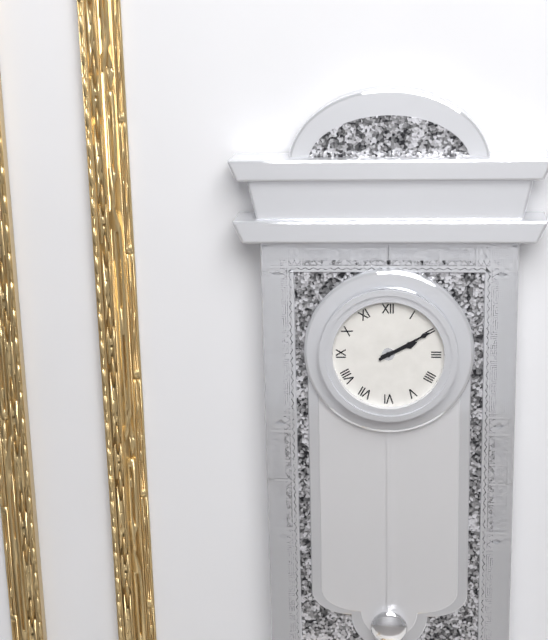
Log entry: {"hour": 2, "minute": 10}
